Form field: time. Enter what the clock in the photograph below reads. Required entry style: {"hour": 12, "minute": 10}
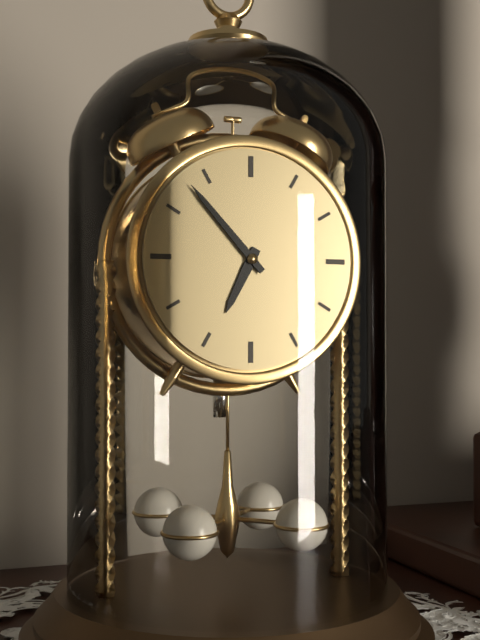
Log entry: {"hour": 6, "minute": 53}
